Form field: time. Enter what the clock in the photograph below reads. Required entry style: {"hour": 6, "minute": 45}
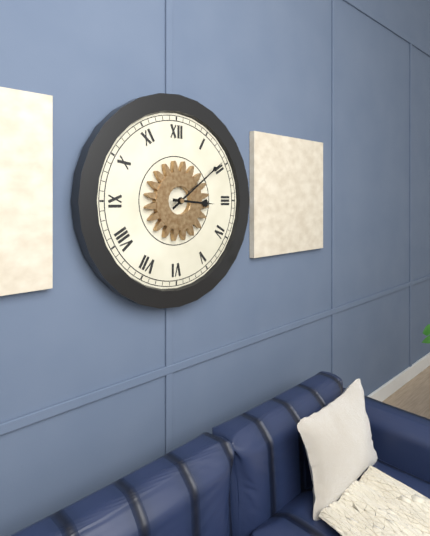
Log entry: {"hour": 3, "minute": 9}
